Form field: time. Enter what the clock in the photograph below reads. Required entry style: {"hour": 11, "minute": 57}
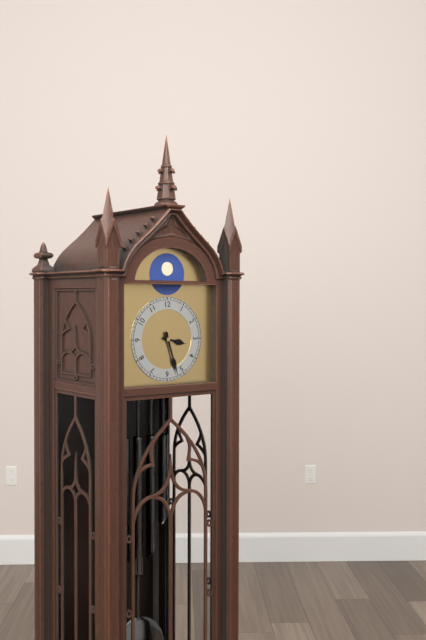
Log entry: {"hour": 3, "minute": 27}
